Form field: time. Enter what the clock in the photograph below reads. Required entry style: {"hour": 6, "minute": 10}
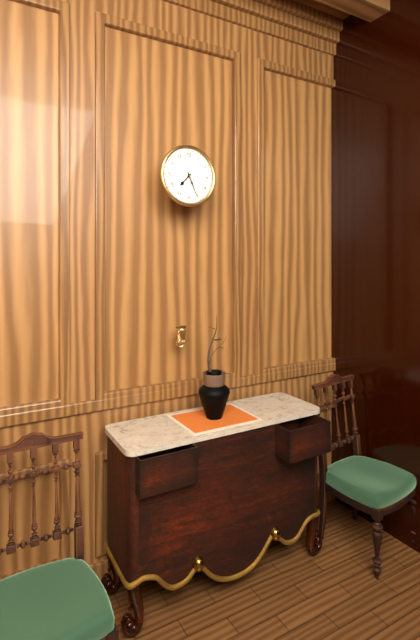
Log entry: {"hour": 7, "minute": 26}
